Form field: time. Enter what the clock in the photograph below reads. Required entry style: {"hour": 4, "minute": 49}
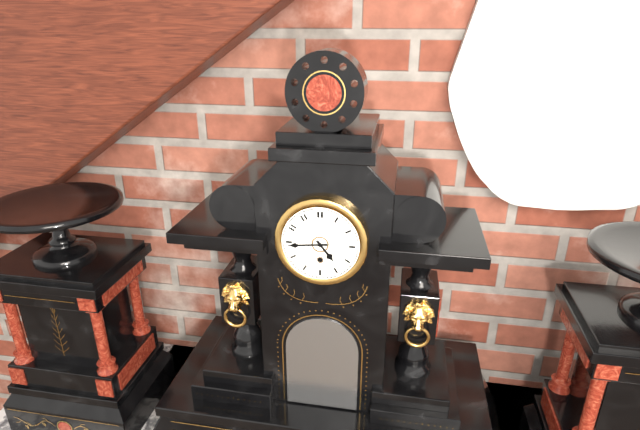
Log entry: {"hour": 4, "minute": 44}
